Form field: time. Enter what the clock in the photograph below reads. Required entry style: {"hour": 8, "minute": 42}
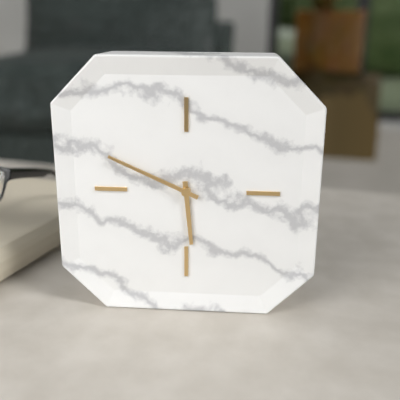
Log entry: {"hour": 5, "minute": 49}
